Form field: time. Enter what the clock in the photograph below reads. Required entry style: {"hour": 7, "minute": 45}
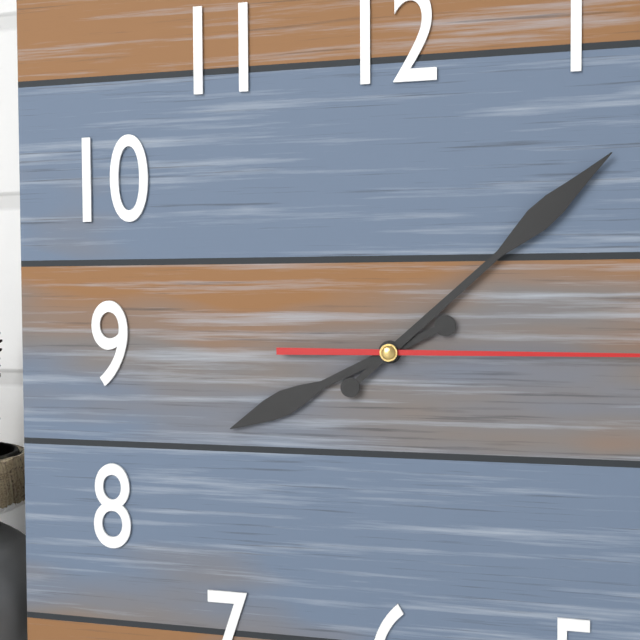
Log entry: {"hour": 8, "minute": 8}
